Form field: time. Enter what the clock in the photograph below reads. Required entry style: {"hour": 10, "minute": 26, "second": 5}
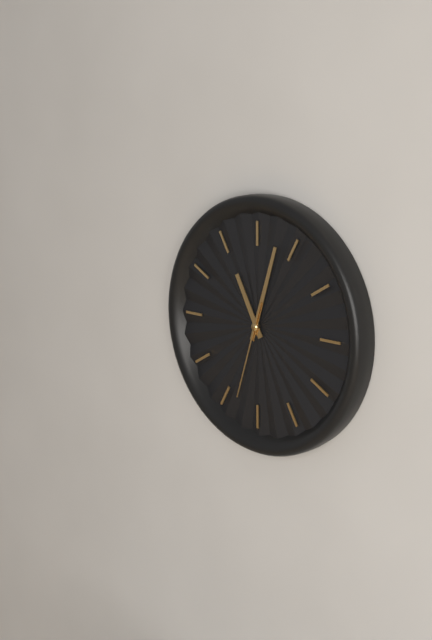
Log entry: {"hour": 11, "minute": 3, "second": 33}
